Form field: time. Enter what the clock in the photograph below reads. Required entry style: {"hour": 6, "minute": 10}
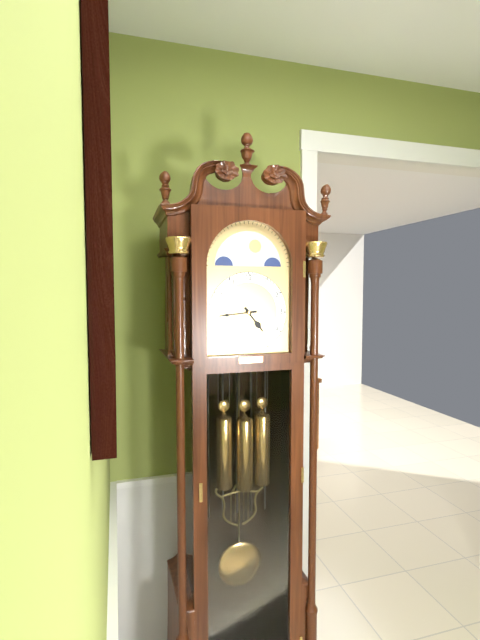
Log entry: {"hour": 4, "minute": 44}
